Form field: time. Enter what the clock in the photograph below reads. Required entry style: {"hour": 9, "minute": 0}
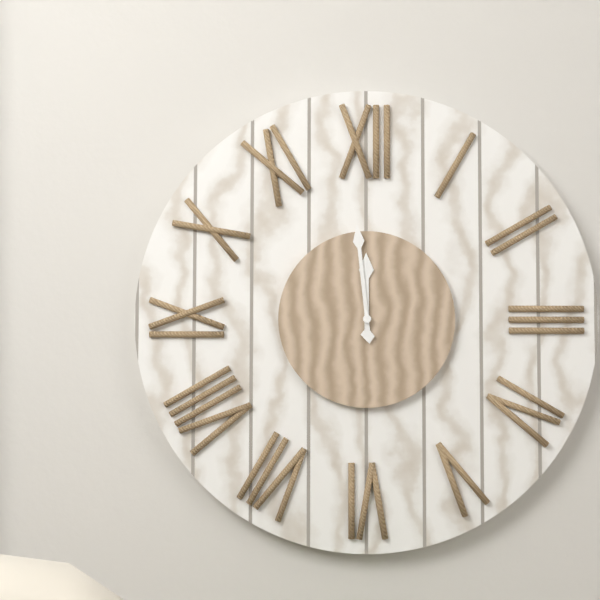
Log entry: {"hour": 11, "minute": 59}
